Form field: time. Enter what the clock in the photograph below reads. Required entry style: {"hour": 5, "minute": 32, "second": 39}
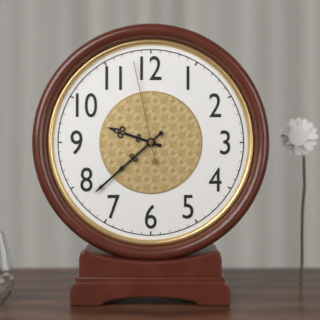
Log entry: {"hour": 9, "minute": 38, "second": 58}
